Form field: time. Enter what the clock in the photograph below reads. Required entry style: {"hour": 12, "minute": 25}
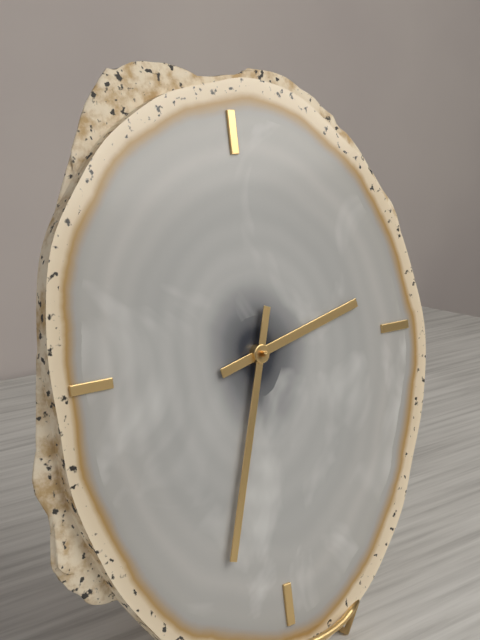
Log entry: {"hour": 2, "minute": 33}
